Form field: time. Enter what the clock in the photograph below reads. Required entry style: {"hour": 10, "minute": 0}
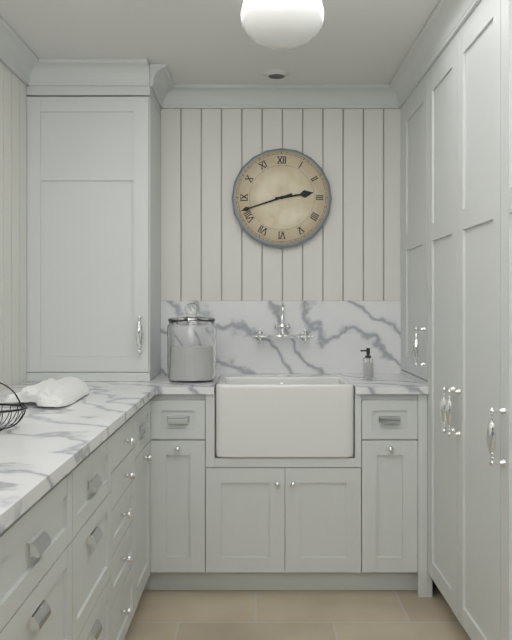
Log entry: {"hour": 2, "minute": 42}
